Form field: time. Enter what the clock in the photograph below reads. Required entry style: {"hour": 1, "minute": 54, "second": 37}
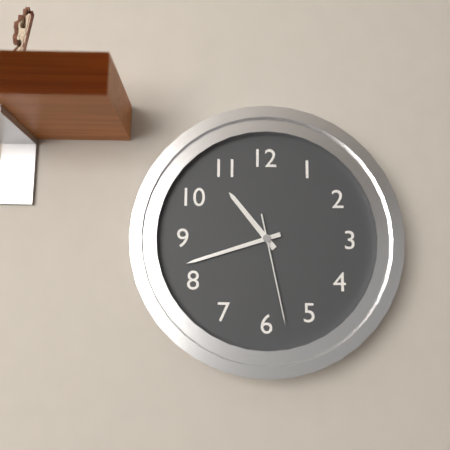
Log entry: {"hour": 10, "minute": 42, "second": 28}
